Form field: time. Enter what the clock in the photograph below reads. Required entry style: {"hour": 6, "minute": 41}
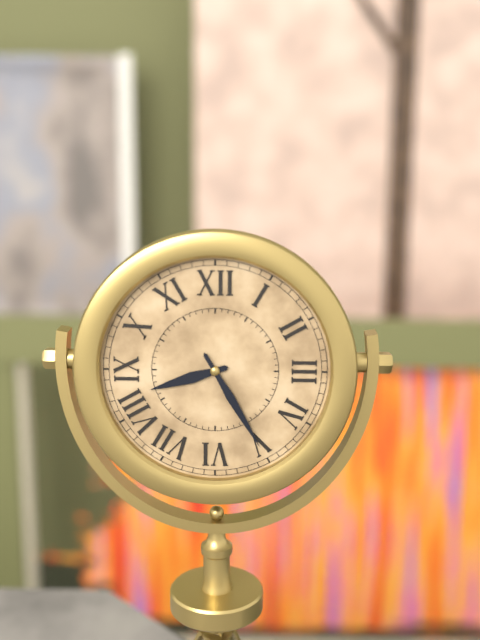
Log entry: {"hour": 8, "minute": 25}
